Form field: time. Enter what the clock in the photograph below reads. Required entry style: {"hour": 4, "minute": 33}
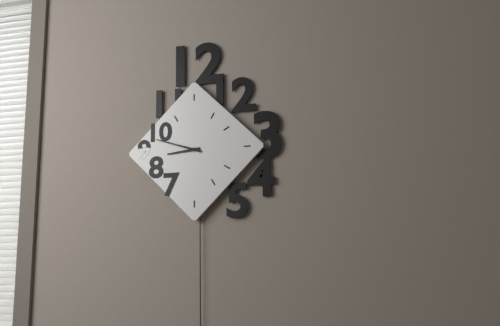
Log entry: {"hour": 8, "minute": 48}
